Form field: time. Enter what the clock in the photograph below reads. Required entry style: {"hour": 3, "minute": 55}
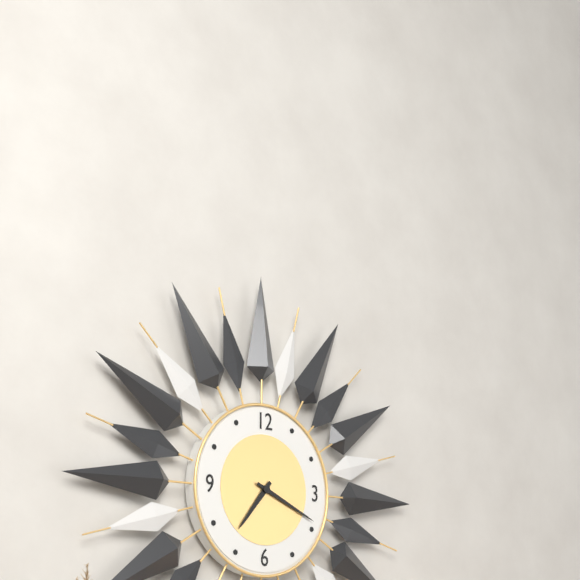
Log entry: {"hour": 7, "minute": 19}
